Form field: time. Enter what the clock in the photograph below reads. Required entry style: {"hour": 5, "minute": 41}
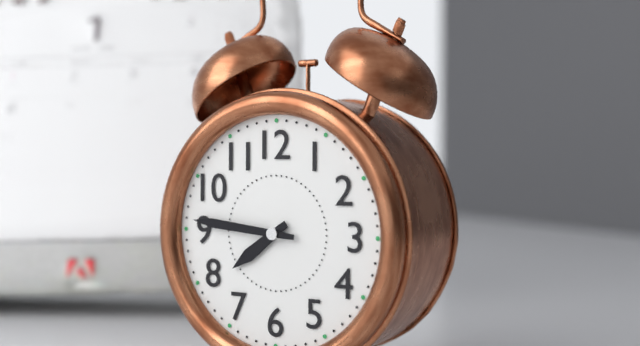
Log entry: {"hour": 7, "minute": 46}
